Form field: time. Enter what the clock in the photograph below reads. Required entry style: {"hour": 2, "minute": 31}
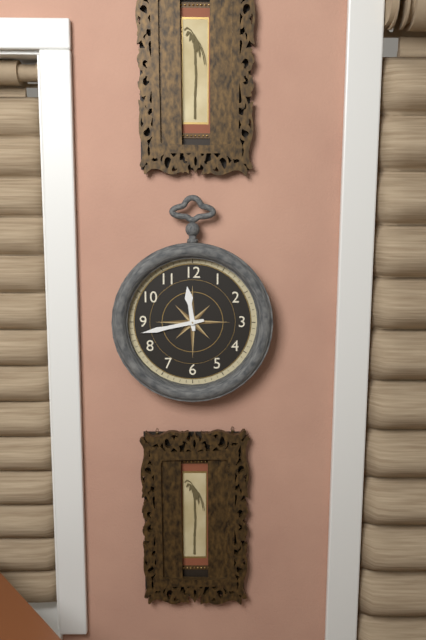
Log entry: {"hour": 11, "minute": 43}
